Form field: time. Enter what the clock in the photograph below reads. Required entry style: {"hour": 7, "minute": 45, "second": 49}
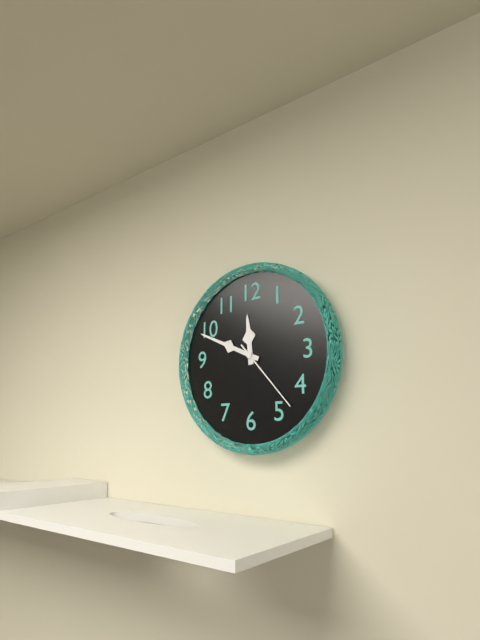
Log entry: {"hour": 11, "minute": 49, "second": 23}
